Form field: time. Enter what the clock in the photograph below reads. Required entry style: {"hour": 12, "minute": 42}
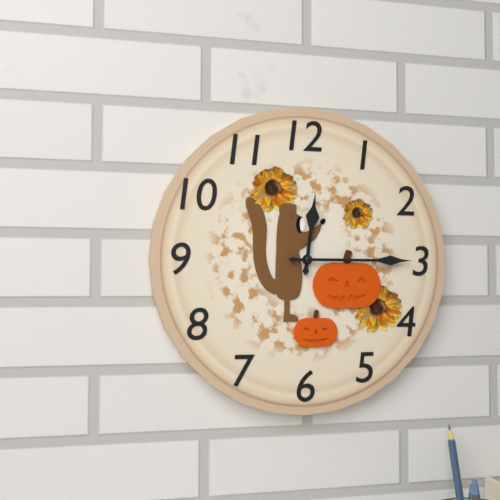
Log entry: {"hour": 12, "minute": 15}
